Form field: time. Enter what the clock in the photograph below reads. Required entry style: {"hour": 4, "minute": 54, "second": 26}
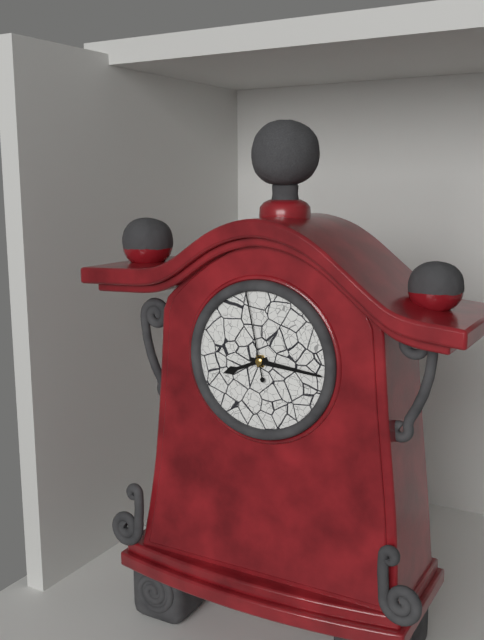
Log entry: {"hour": 8, "minute": 16, "second": 58}
